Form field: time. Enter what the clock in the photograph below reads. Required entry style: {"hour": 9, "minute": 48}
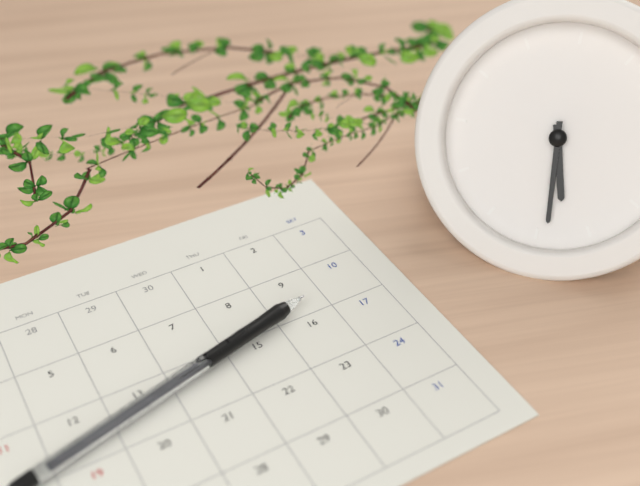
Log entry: {"hour": 5, "minute": 29}
